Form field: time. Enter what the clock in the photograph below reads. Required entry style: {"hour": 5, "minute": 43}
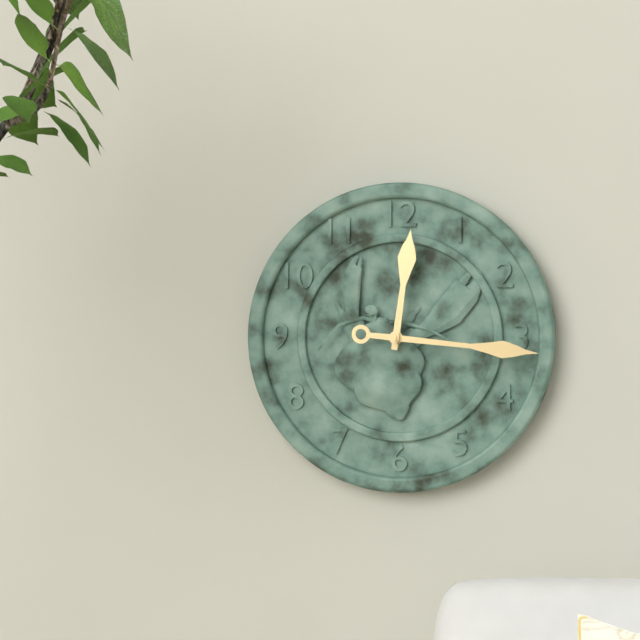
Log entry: {"hour": 12, "minute": 16}
